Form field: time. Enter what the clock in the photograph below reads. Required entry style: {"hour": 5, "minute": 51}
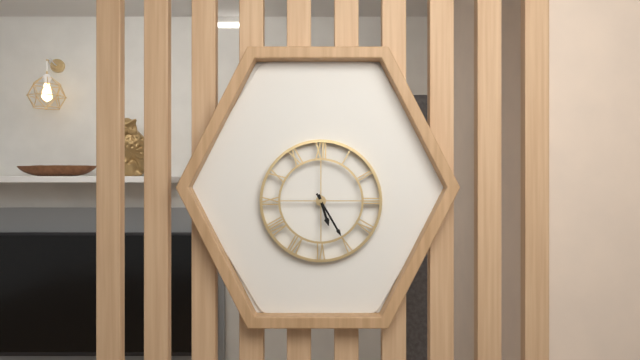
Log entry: {"hour": 5, "minute": 25}
